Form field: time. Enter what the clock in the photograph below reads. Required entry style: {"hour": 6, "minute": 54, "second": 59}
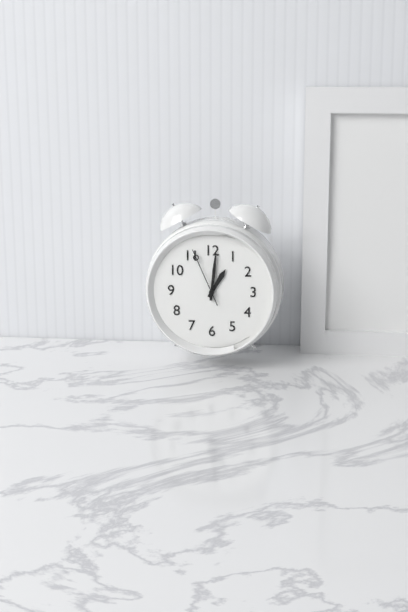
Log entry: {"hour": 1, "minute": 1, "second": 56}
